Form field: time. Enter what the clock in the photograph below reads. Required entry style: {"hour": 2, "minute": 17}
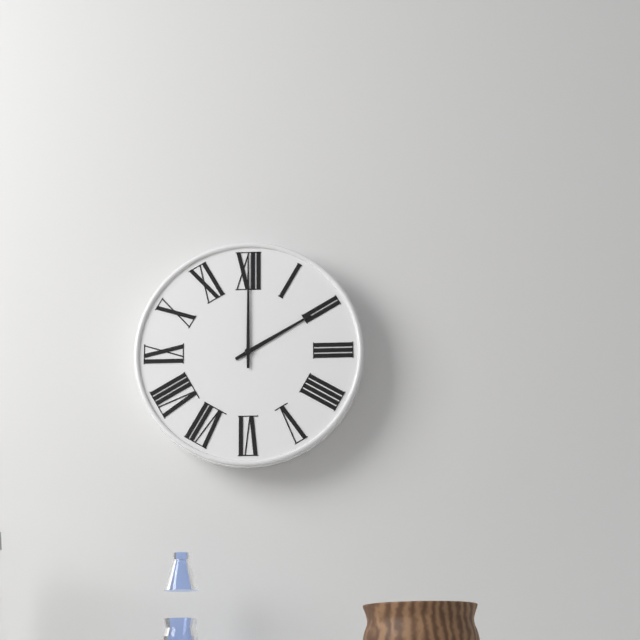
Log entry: {"hour": 2, "minute": 0}
